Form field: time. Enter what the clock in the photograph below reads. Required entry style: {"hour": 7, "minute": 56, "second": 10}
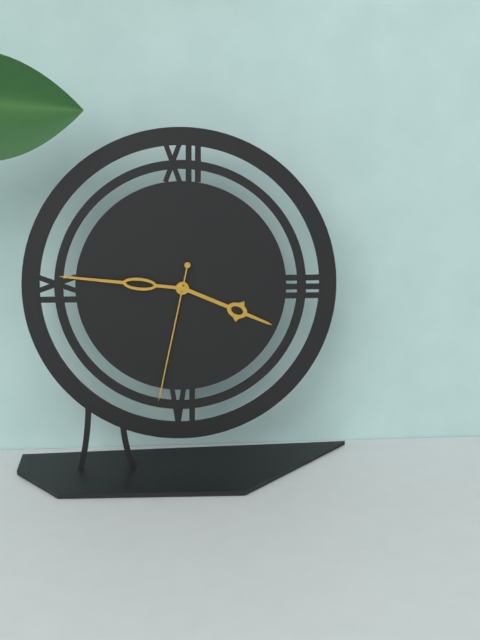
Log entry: {"hour": 3, "minute": 46, "second": 32}
